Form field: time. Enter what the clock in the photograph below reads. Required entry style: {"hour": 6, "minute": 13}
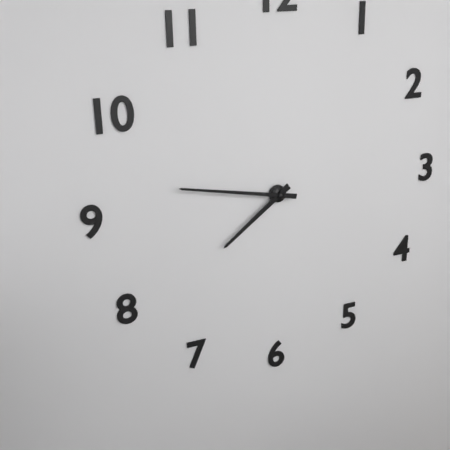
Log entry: {"hour": 7, "minute": 47}
